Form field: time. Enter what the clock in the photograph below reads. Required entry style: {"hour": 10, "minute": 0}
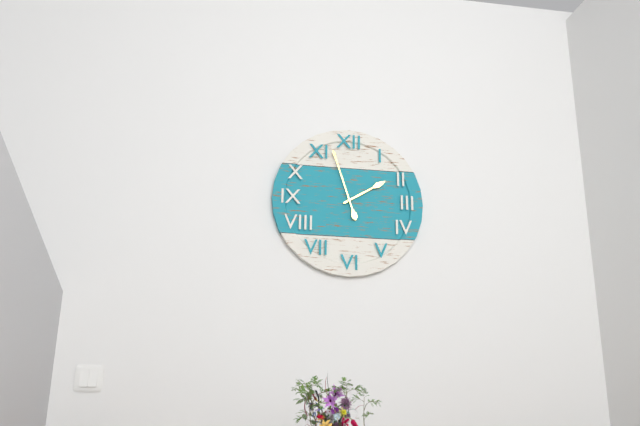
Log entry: {"hour": 1, "minute": 57}
